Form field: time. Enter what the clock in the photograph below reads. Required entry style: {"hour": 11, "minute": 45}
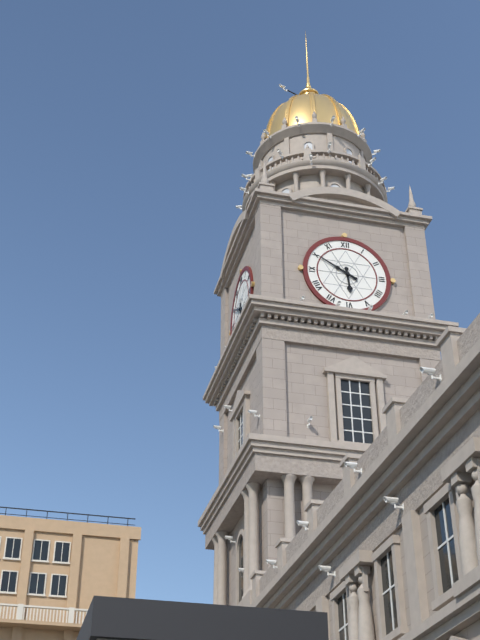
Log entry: {"hour": 5, "minute": 50}
